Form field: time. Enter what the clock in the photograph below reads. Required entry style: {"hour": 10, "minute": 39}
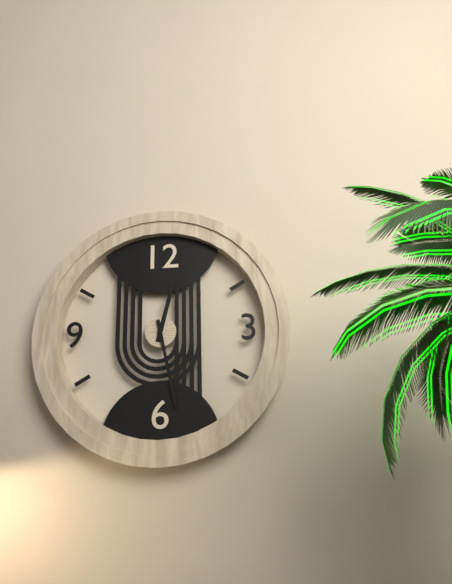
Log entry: {"hour": 12, "minute": 28}
